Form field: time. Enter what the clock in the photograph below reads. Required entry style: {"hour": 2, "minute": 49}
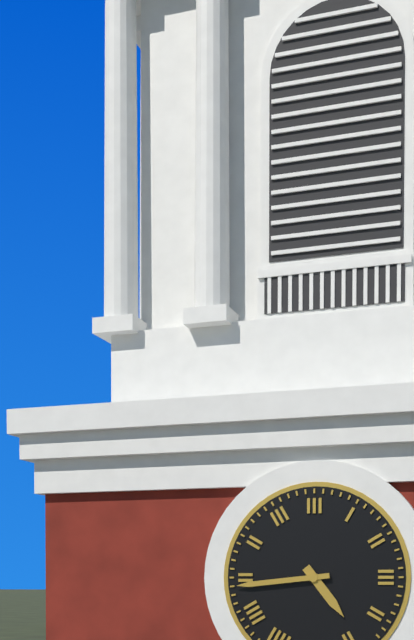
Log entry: {"hour": 4, "minute": 44}
